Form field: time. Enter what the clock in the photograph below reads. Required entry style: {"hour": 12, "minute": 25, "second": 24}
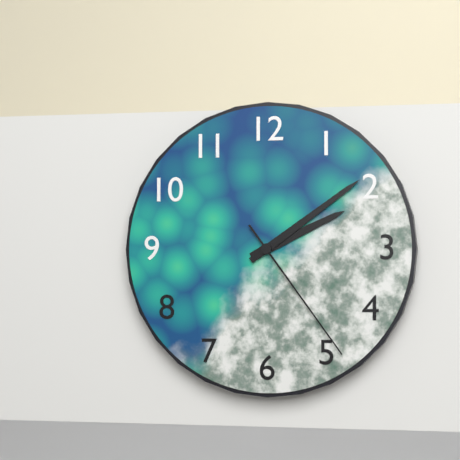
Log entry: {"hour": 2, "minute": 9, "second": 24}
